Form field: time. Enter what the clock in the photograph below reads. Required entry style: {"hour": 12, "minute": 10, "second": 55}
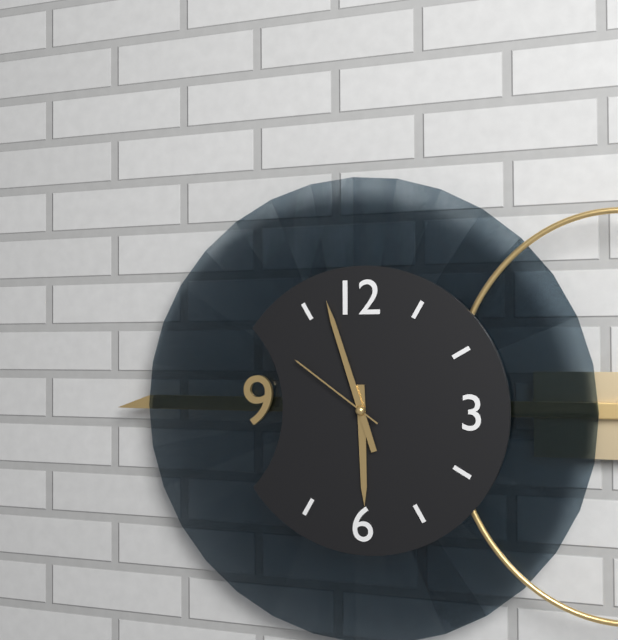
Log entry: {"hour": 5, "minute": 57, "second": 51}
